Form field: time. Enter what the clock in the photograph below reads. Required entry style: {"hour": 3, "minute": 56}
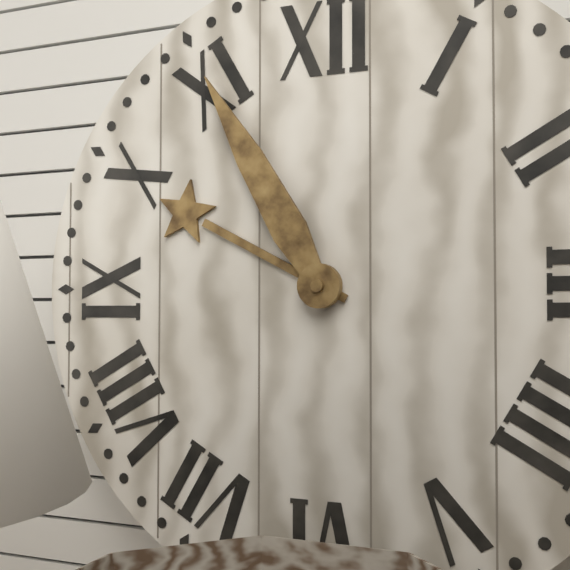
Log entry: {"hour": 9, "minute": 55}
